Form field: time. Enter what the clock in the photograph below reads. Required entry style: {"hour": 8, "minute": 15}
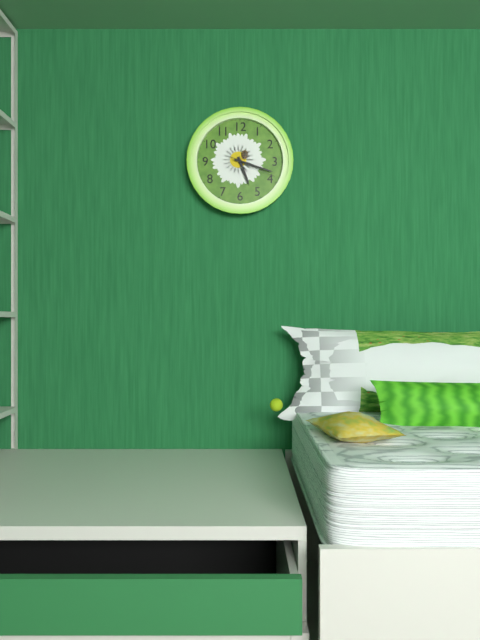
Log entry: {"hour": 5, "minute": 18}
